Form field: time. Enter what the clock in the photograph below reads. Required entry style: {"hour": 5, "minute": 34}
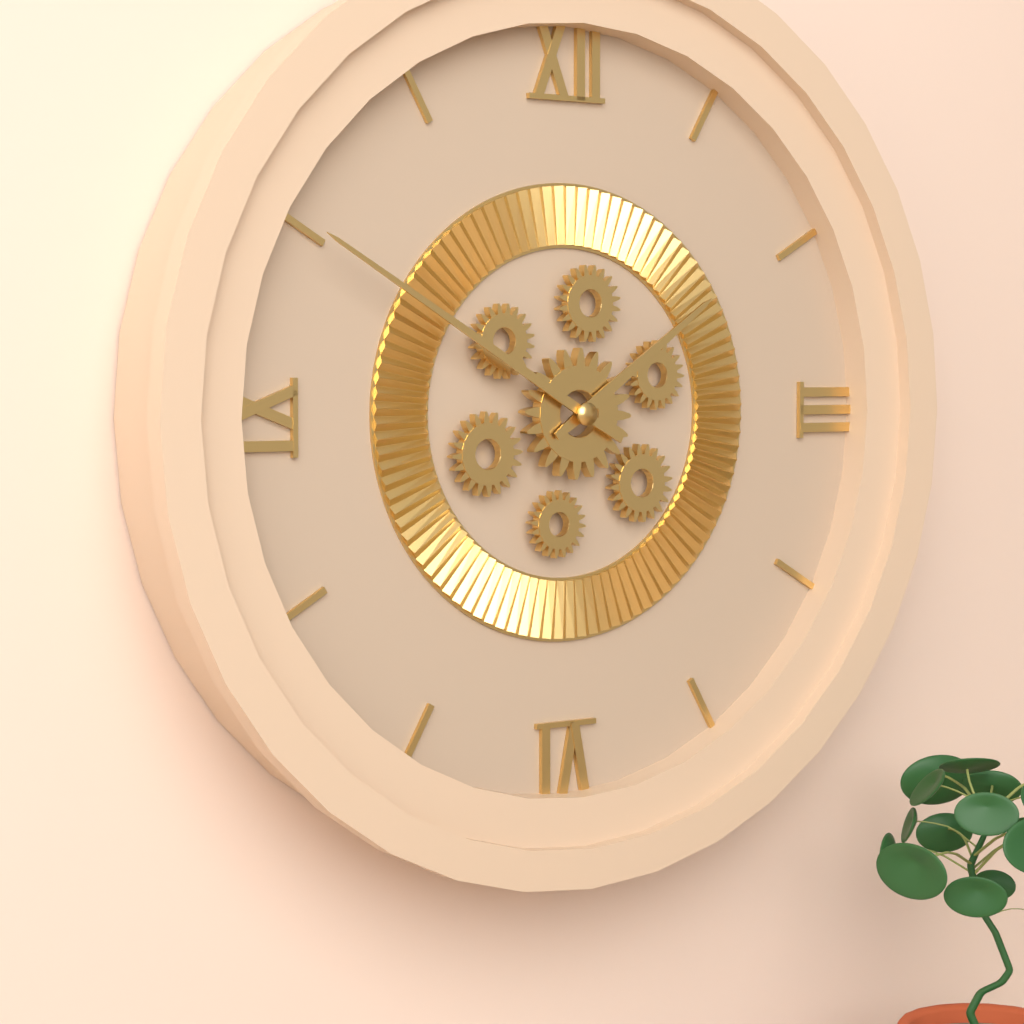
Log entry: {"hour": 1, "minute": 50}
